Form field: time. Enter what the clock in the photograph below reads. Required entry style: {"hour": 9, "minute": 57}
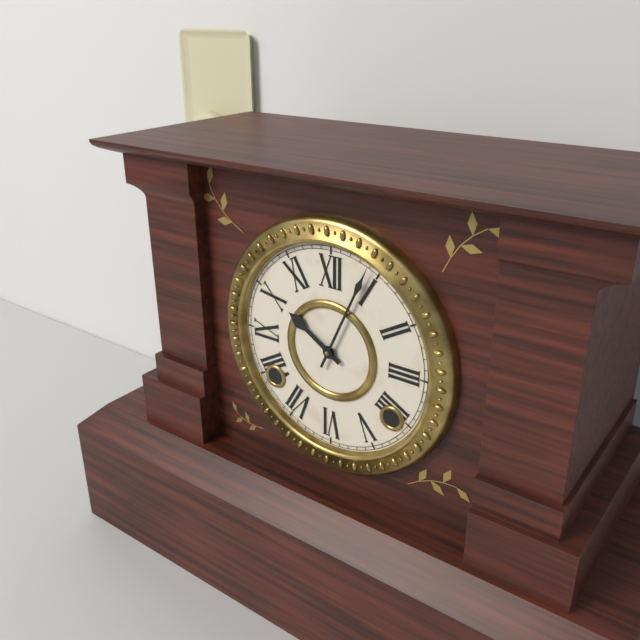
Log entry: {"hour": 10, "minute": 4}
